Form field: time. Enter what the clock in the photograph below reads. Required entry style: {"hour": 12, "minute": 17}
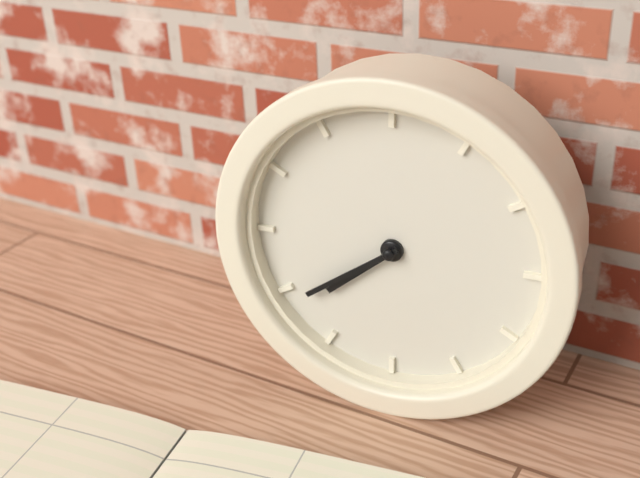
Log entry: {"hour": 7, "minute": 39}
